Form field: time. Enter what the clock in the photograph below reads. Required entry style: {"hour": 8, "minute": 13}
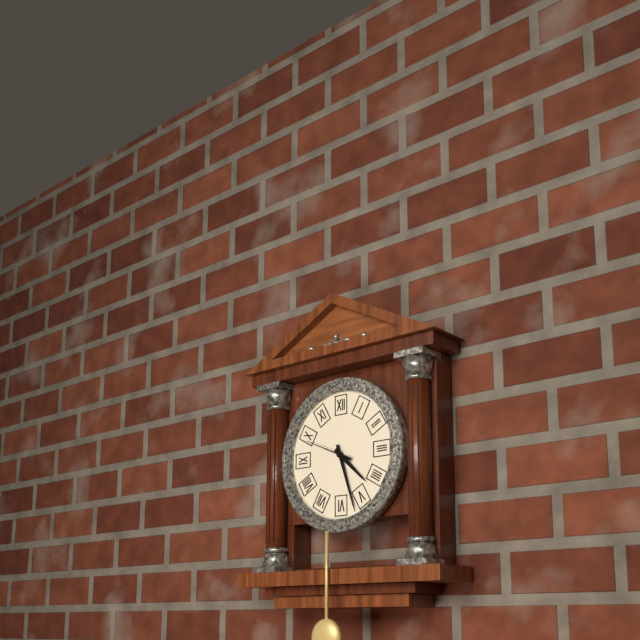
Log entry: {"hour": 4, "minute": 27}
